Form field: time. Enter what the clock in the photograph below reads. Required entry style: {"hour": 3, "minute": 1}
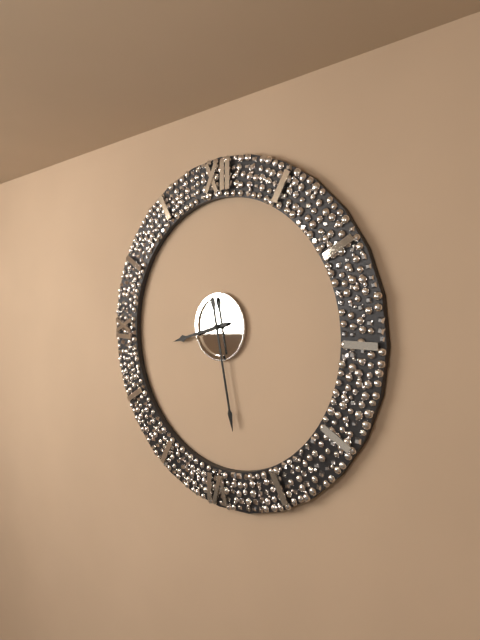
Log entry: {"hour": 8, "minute": 28}
